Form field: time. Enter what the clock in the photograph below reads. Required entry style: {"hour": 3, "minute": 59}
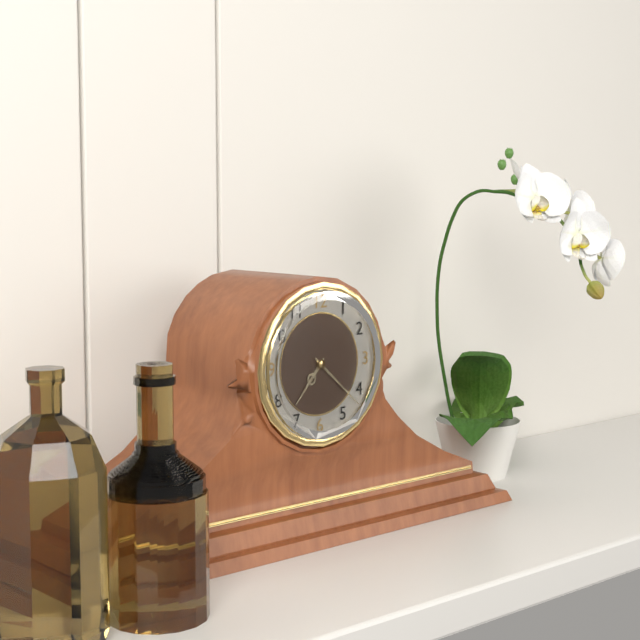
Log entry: {"hour": 7, "minute": 22}
